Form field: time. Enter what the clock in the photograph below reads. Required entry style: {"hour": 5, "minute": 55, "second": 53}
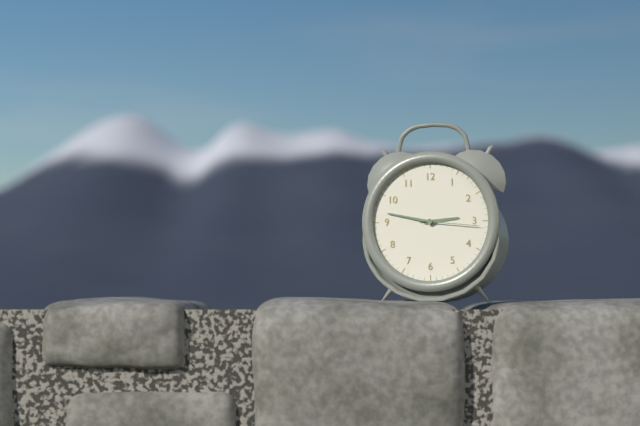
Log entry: {"hour": 2, "minute": 47, "second": 16}
